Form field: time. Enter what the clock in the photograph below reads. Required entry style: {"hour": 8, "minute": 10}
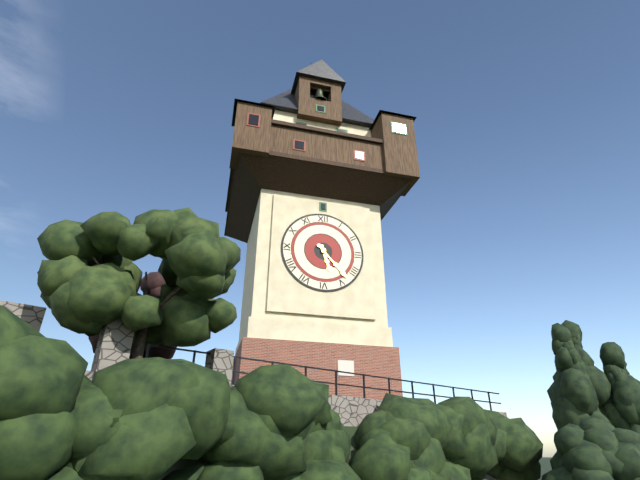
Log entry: {"hour": 5, "minute": 23}
